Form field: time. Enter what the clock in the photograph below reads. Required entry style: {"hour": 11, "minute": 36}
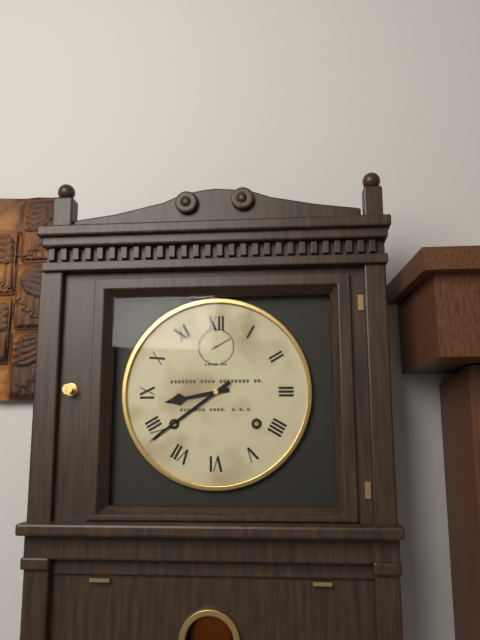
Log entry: {"hour": 8, "minute": 39}
